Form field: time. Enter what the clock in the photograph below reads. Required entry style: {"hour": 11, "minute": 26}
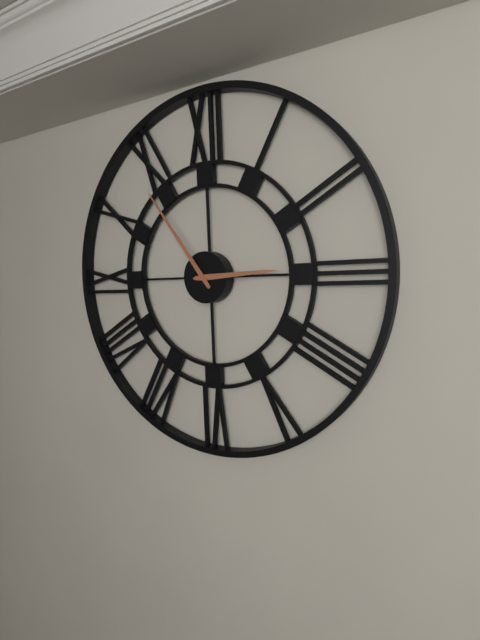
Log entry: {"hour": 2, "minute": 54}
